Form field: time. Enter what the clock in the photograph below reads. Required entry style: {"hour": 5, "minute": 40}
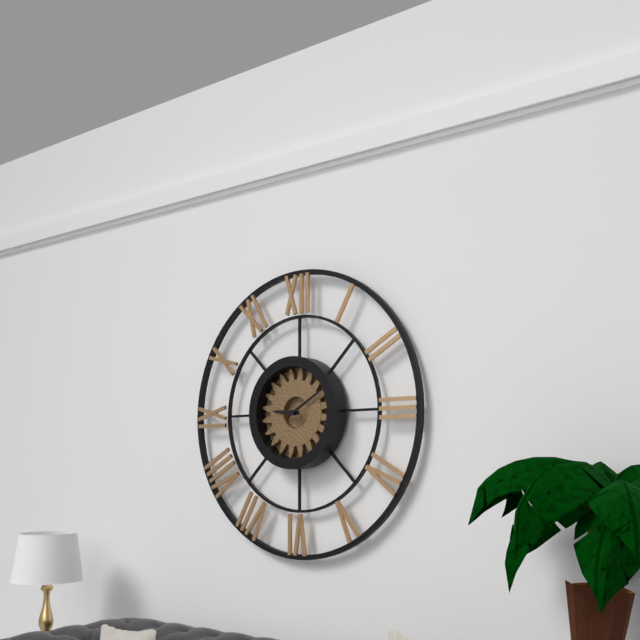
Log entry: {"hour": 9, "minute": 10}
